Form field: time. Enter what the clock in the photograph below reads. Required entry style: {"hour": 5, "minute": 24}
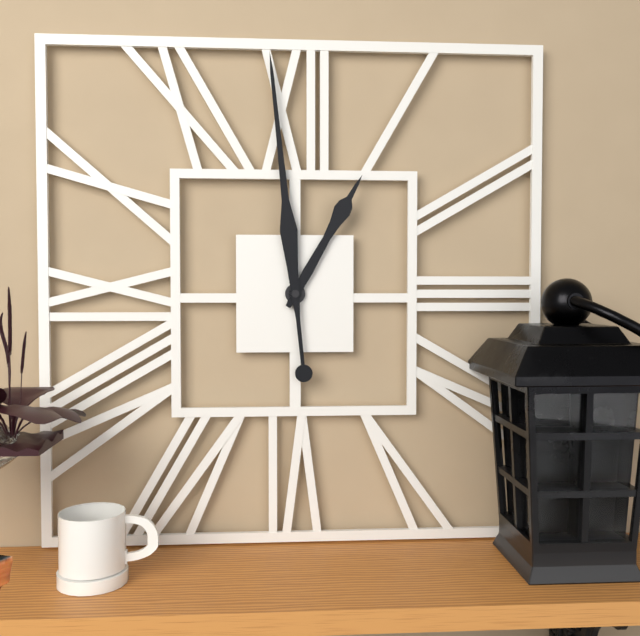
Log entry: {"hour": 12, "minute": 59}
